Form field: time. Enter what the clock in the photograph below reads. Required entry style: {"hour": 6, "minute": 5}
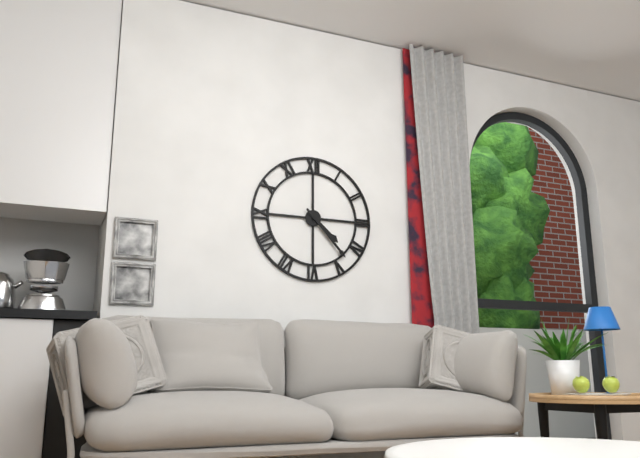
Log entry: {"hour": 4, "minute": 23}
